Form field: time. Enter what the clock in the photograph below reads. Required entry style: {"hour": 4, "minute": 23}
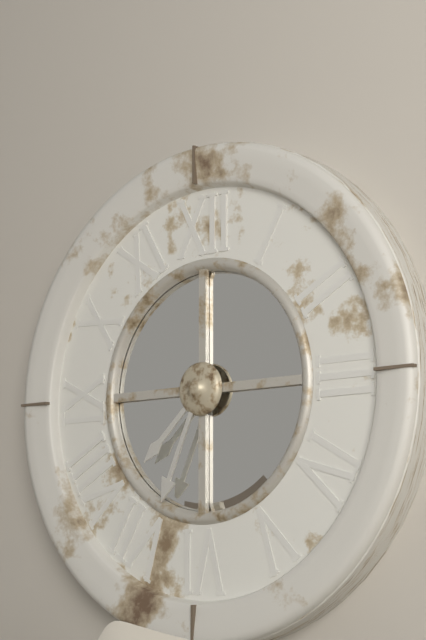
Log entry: {"hour": 7, "minute": 34}
